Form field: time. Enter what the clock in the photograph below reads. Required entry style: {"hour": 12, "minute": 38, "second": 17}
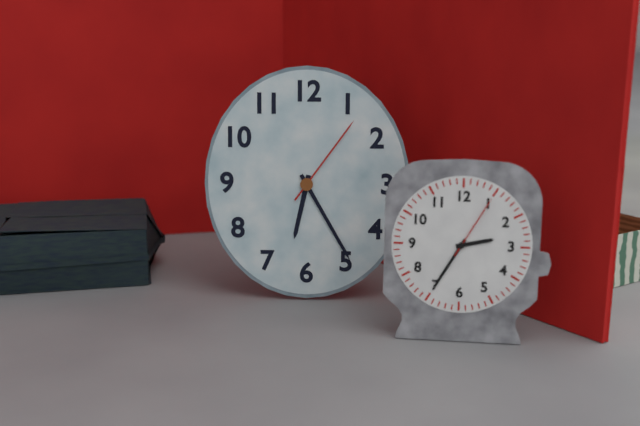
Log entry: {"hour": 6, "minute": 25, "second": 6}
